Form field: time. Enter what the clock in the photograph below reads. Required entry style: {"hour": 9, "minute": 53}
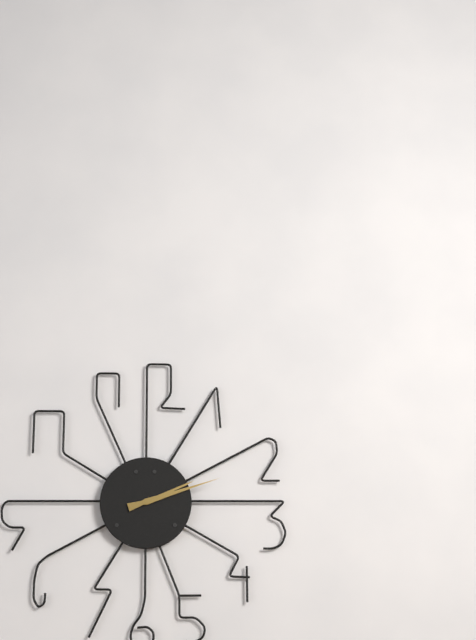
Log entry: {"hour": 2, "minute": 12}
